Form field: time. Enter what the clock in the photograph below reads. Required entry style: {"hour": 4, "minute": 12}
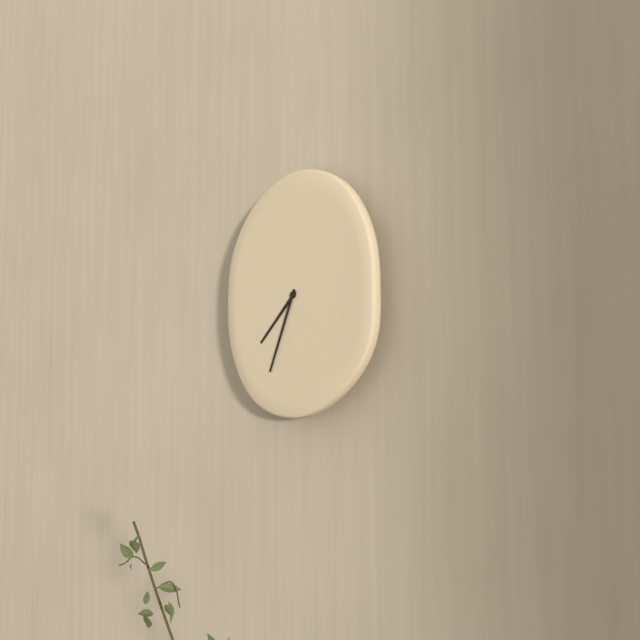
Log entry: {"hour": 7, "minute": 34}
